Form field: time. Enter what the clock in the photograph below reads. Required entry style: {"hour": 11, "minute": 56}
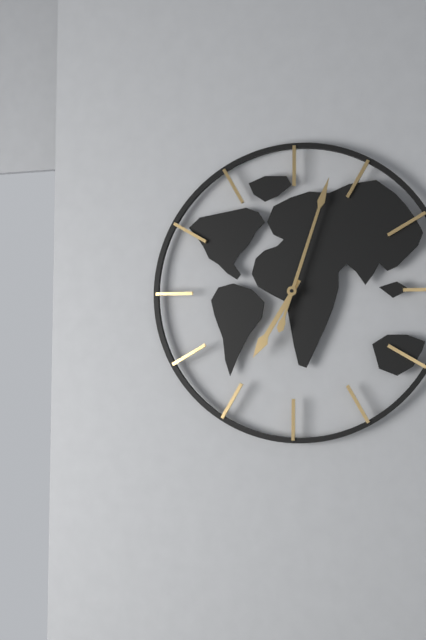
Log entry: {"hour": 7, "minute": 3}
